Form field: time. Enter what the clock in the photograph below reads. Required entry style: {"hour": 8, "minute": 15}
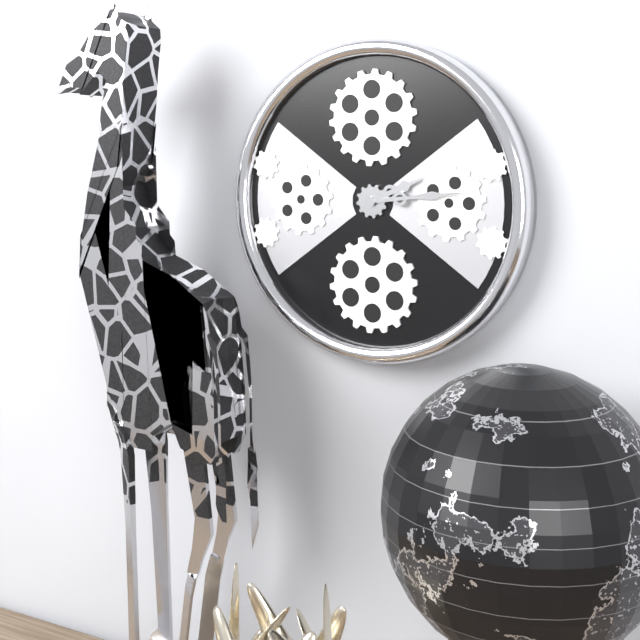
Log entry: {"hour": 2, "minute": 14}
